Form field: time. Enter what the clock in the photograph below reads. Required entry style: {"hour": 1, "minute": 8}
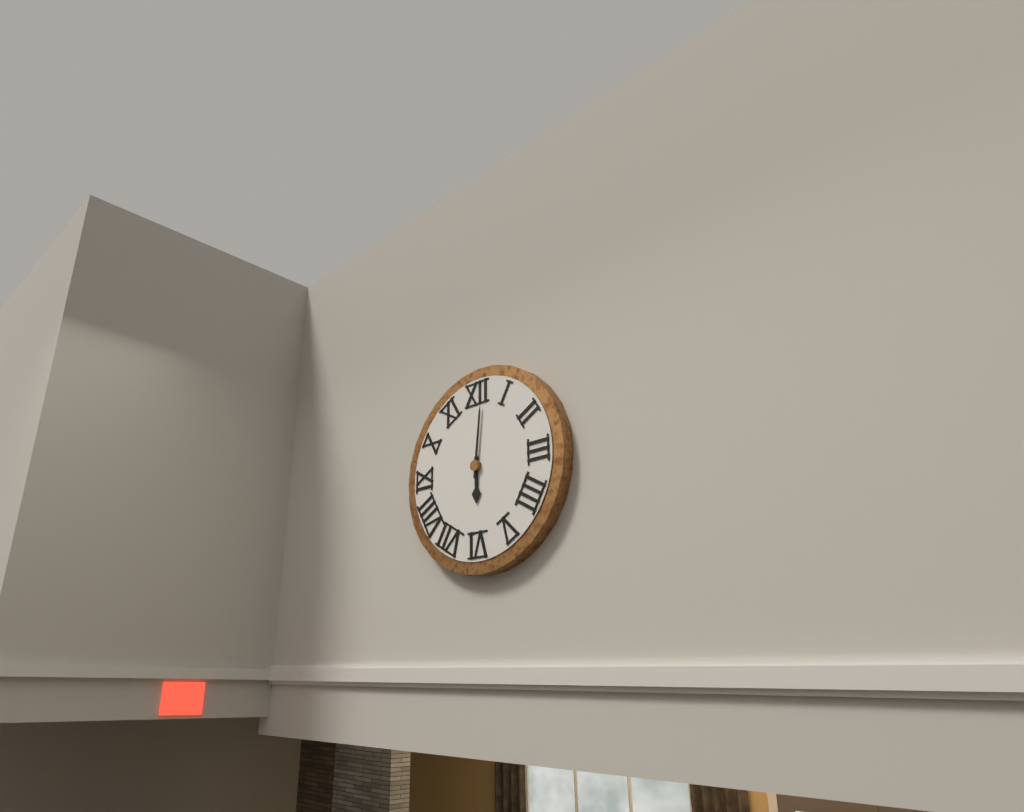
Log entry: {"hour": 6, "minute": 1}
